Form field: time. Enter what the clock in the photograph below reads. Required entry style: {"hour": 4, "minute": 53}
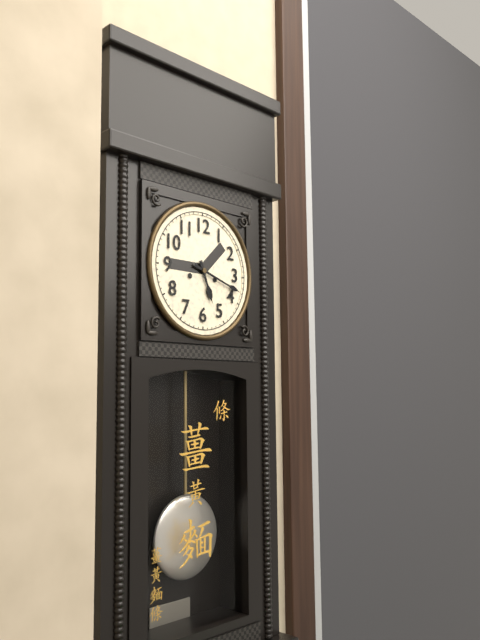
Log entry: {"hour": 5, "minute": 18}
